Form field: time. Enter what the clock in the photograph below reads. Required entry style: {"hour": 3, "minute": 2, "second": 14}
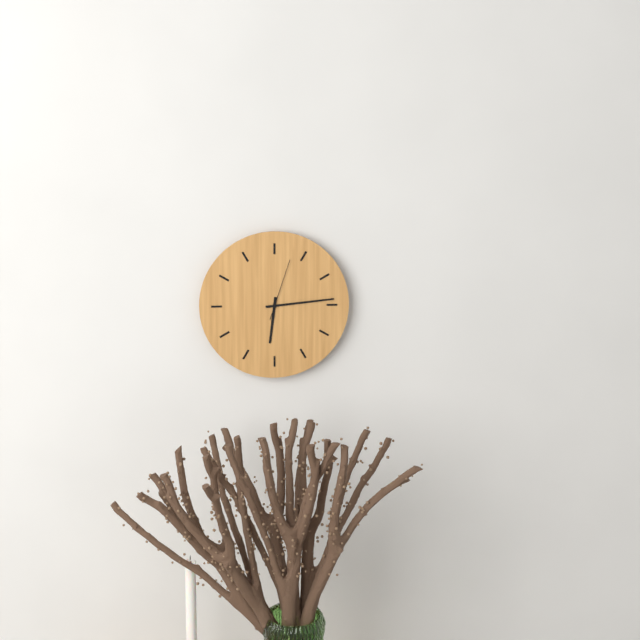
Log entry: {"hour": 6, "minute": 14, "second": 3}
